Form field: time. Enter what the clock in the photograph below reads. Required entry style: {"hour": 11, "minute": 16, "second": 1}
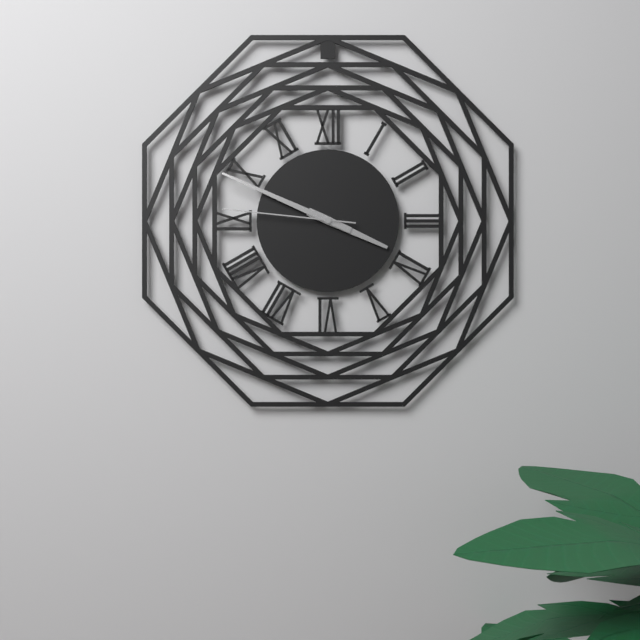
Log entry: {"hour": 3, "minute": 49, "second": 46}
